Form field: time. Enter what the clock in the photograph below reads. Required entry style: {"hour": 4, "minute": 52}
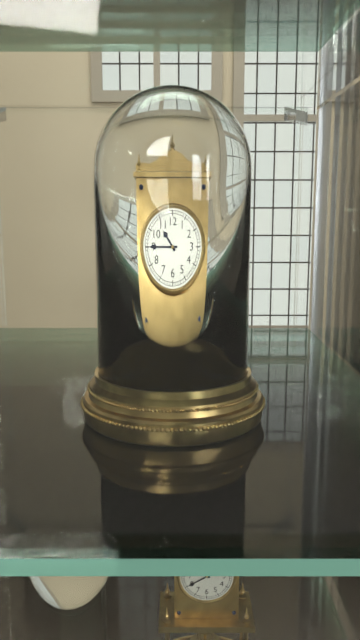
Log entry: {"hour": 10, "minute": 45}
